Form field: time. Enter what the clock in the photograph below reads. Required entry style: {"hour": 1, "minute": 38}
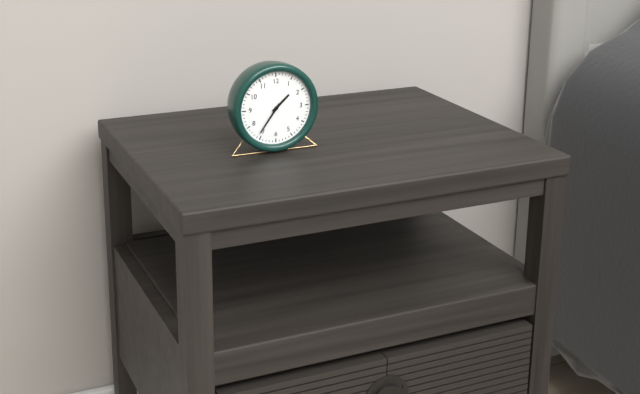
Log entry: {"hour": 1, "minute": 36}
